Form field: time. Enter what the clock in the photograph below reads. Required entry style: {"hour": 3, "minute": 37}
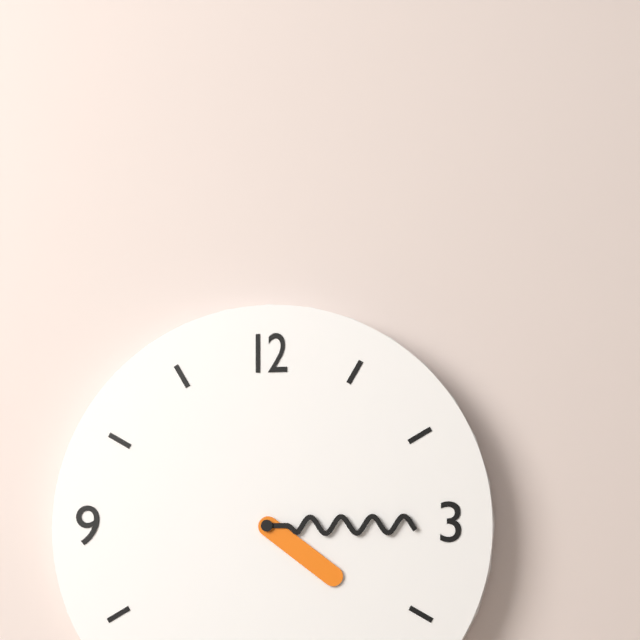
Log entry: {"hour": 4, "minute": 15}
